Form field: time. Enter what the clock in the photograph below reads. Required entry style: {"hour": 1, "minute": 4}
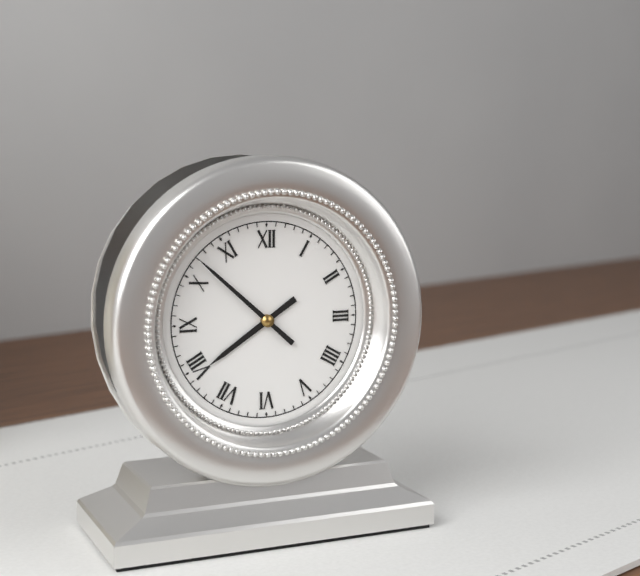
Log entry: {"hour": 7, "minute": 52}
